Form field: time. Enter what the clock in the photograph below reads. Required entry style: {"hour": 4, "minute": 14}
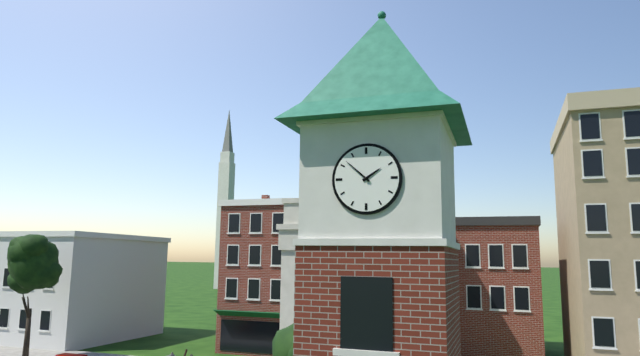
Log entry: {"hour": 1, "minute": 52}
